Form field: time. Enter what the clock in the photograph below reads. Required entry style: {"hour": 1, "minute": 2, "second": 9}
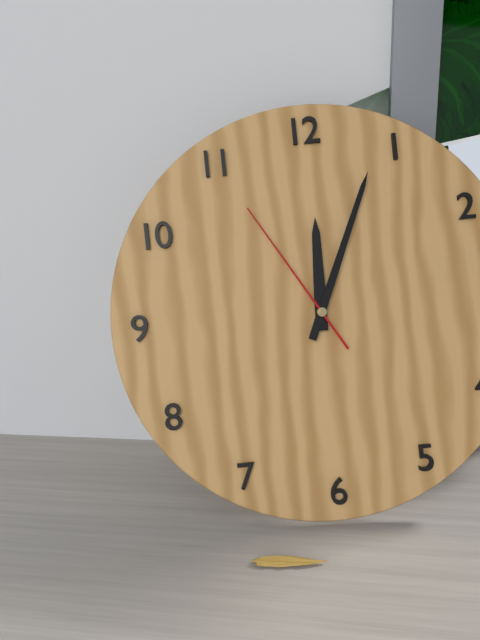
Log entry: {"hour": 12, "minute": 4, "second": 55}
